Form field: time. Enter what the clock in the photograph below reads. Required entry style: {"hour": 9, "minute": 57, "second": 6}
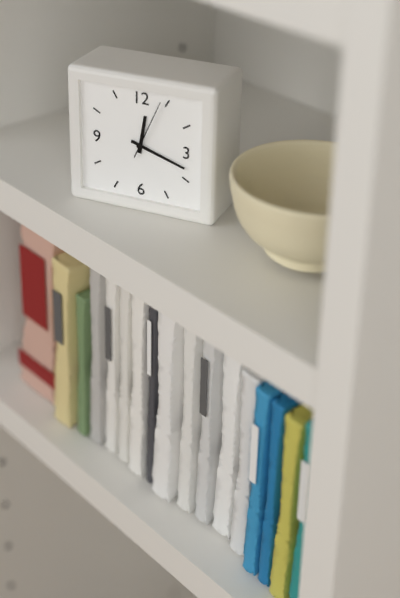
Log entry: {"hour": 12, "minute": 18, "second": 4}
